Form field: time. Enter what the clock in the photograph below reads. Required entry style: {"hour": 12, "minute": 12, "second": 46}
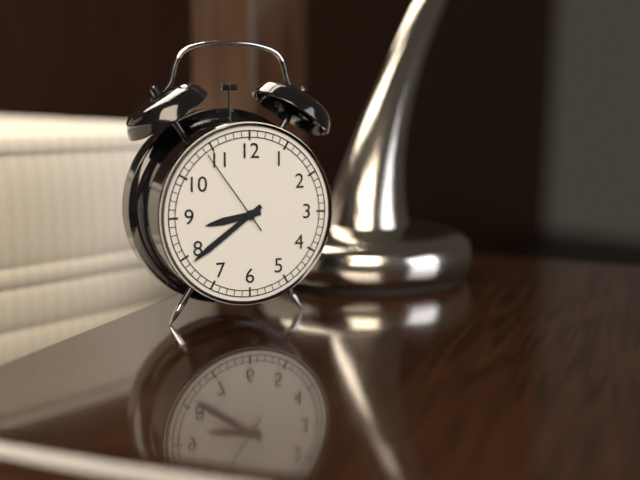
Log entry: {"hour": 8, "minute": 39, "second": 54}
